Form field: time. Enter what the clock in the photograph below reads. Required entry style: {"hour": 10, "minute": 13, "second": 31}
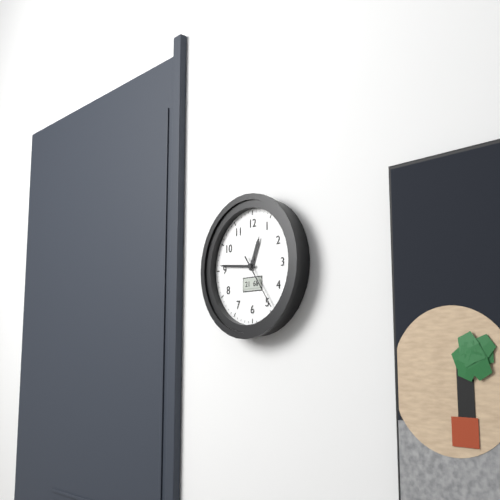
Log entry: {"hour": 12, "minute": 46, "second": 24}
